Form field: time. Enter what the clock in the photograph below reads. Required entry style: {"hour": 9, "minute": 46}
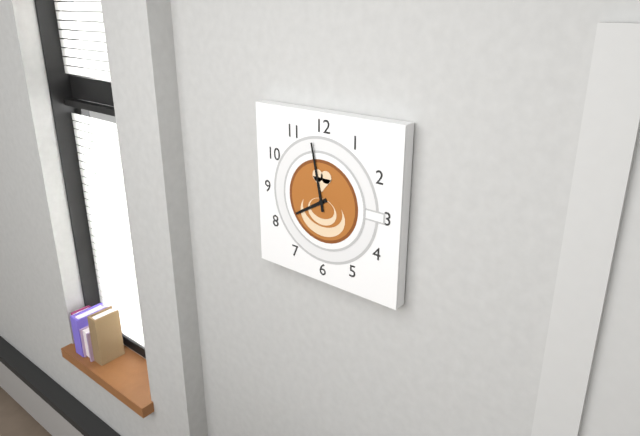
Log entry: {"hour": 7, "minute": 58}
